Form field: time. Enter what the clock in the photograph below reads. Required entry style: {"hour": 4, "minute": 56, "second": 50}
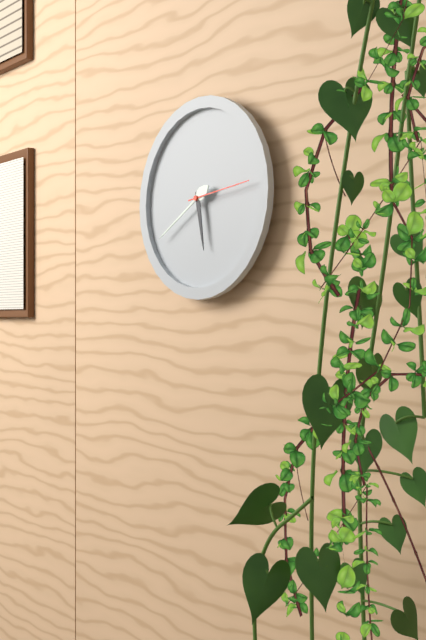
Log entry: {"hour": 5, "minute": 40, "second": 14}
